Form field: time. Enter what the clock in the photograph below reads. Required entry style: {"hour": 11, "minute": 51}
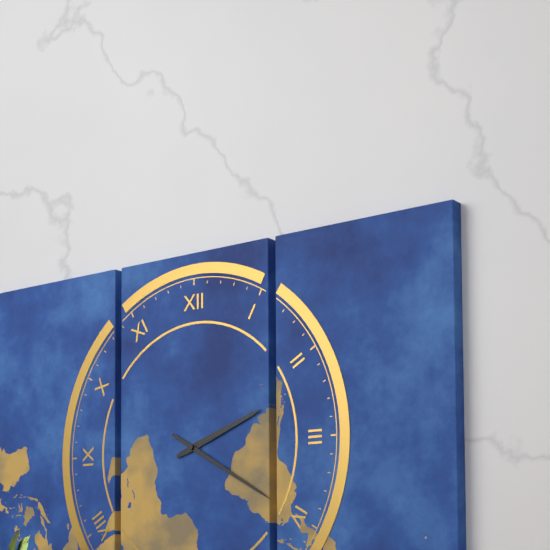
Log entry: {"hour": 2, "minute": 20}
